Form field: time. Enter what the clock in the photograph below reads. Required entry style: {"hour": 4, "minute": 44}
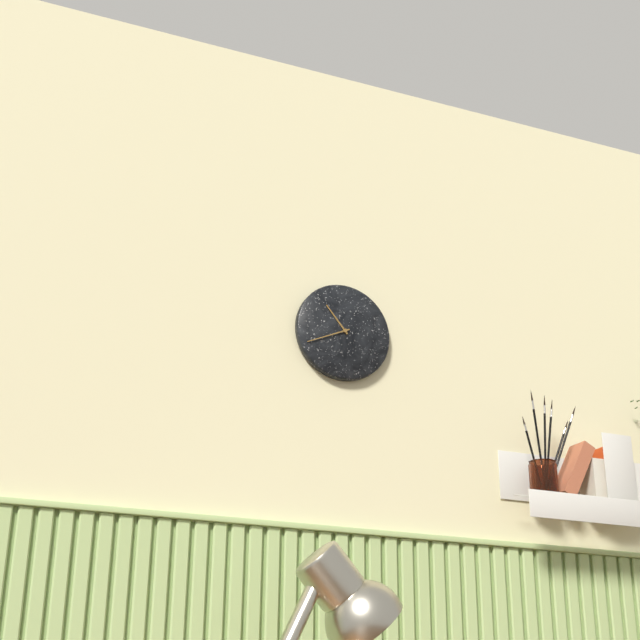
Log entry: {"hour": 10, "minute": 41}
